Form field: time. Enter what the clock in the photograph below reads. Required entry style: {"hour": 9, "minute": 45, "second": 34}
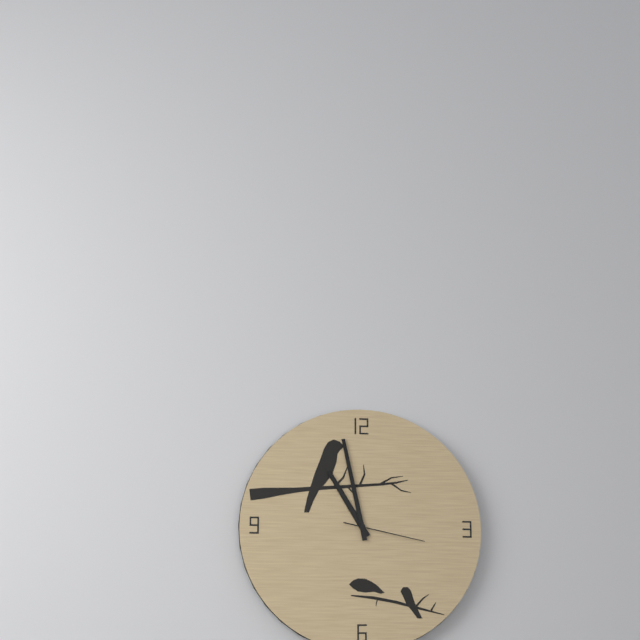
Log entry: {"hour": 10, "minute": 58, "second": 17}
